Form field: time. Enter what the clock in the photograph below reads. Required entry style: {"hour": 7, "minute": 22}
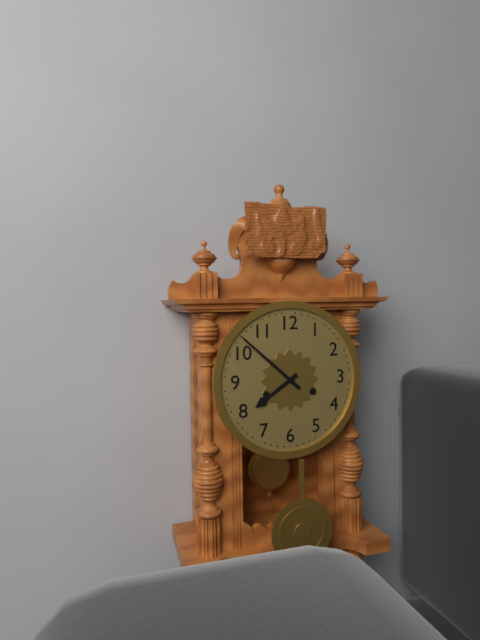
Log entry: {"hour": 7, "minute": 52}
